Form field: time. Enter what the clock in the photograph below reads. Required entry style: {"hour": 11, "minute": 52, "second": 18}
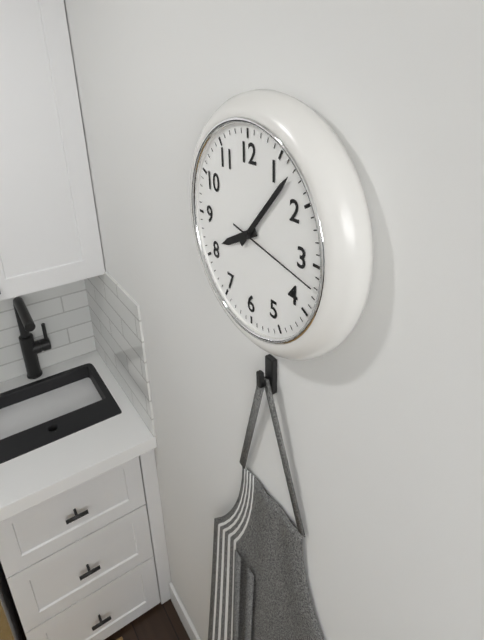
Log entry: {"hour": 8, "minute": 7, "second": 17}
